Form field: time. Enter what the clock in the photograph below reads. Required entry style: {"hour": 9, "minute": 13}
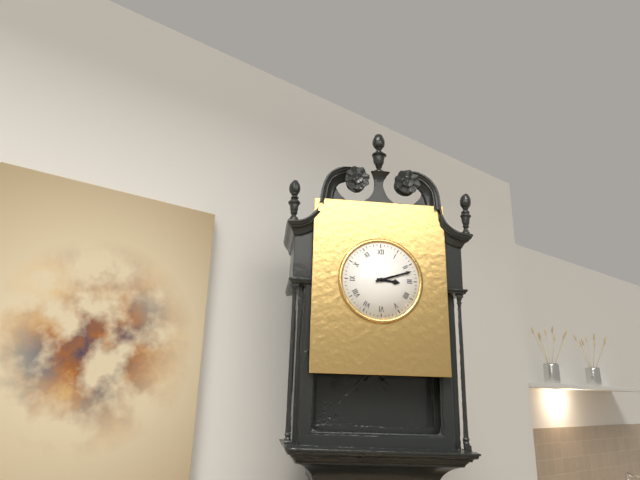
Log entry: {"hour": 3, "minute": 12}
